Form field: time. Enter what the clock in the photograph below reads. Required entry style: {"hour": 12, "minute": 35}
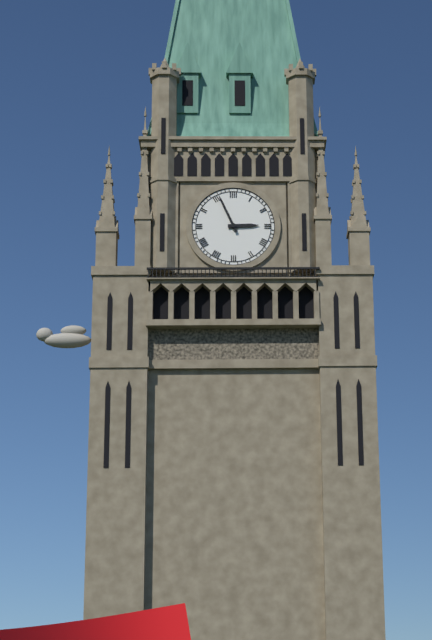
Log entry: {"hour": 2, "minute": 56}
